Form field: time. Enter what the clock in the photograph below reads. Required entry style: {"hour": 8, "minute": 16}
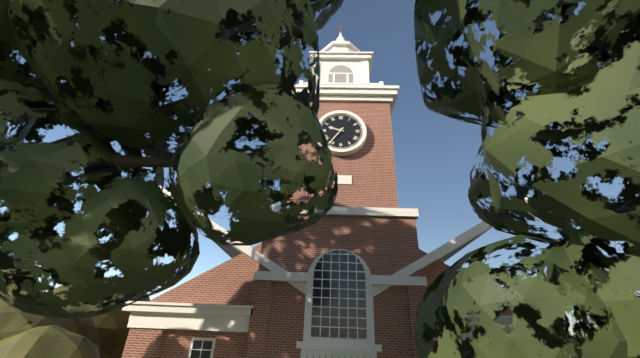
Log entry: {"hour": 9, "minute": 36}
